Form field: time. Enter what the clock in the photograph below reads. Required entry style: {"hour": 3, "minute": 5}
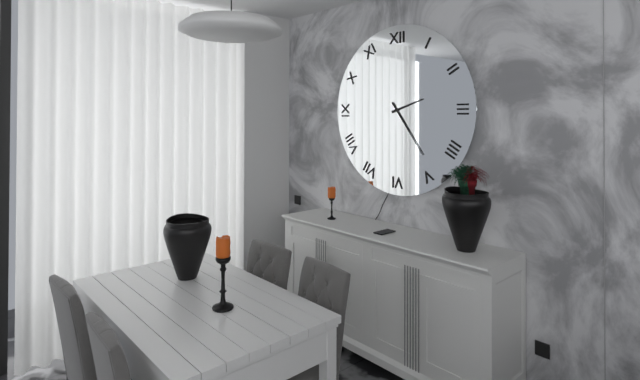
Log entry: {"hour": 2, "minute": 24}
